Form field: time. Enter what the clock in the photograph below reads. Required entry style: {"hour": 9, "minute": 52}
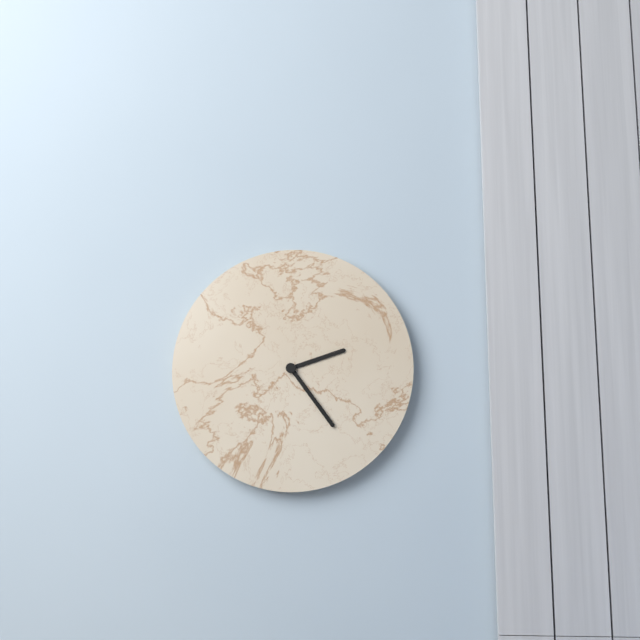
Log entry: {"hour": 2, "minute": 24}
